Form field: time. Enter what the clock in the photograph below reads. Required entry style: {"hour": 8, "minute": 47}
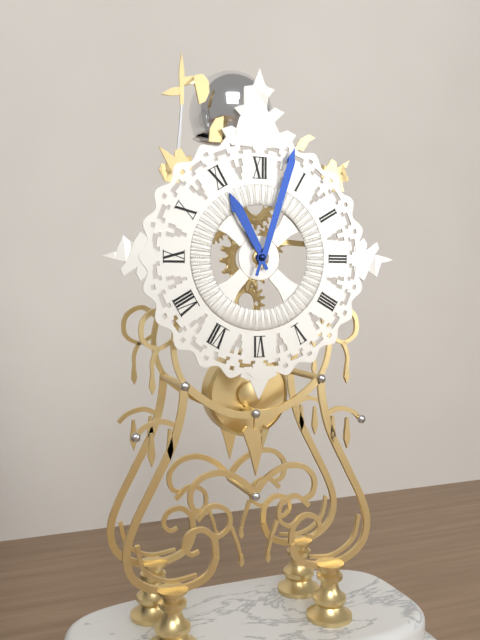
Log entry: {"hour": 11, "minute": 3}
